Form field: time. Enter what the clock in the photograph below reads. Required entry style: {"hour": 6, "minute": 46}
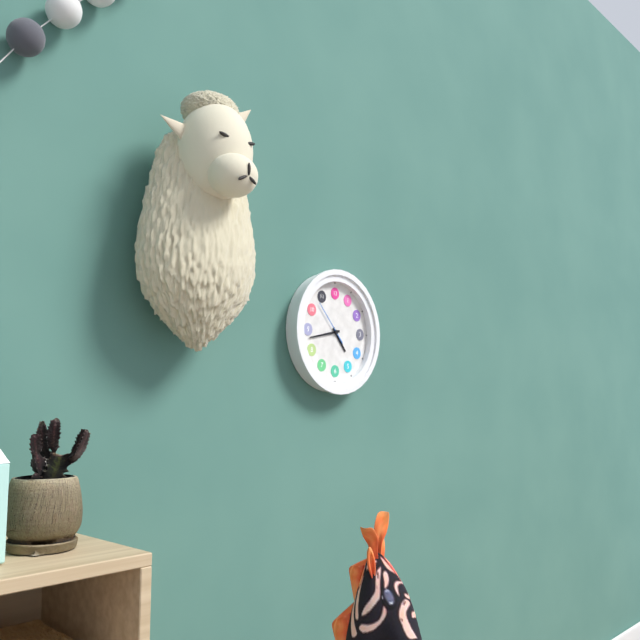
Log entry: {"hour": 4, "minute": 43}
